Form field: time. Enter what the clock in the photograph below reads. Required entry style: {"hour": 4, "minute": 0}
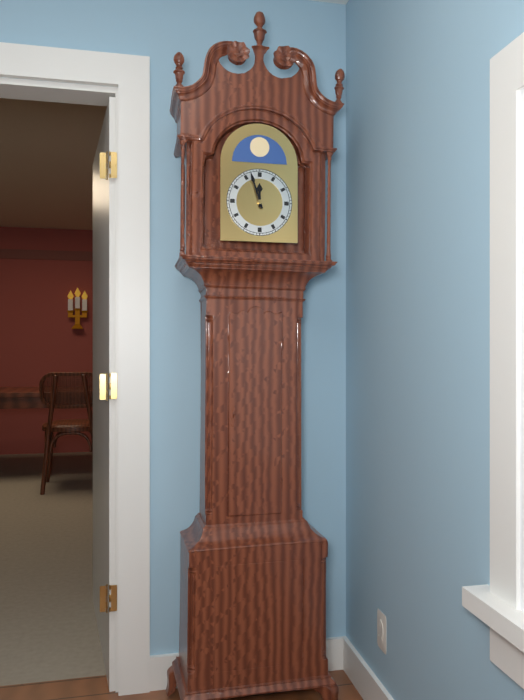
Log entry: {"hour": 11, "minute": 57}
